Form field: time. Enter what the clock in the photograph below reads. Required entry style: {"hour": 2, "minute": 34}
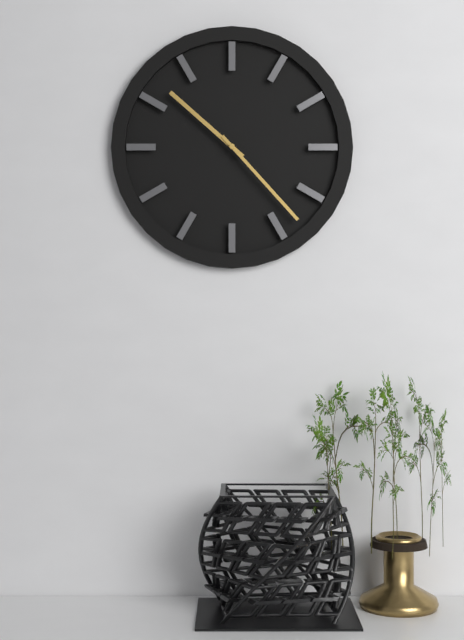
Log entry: {"hour": 10, "minute": 23}
